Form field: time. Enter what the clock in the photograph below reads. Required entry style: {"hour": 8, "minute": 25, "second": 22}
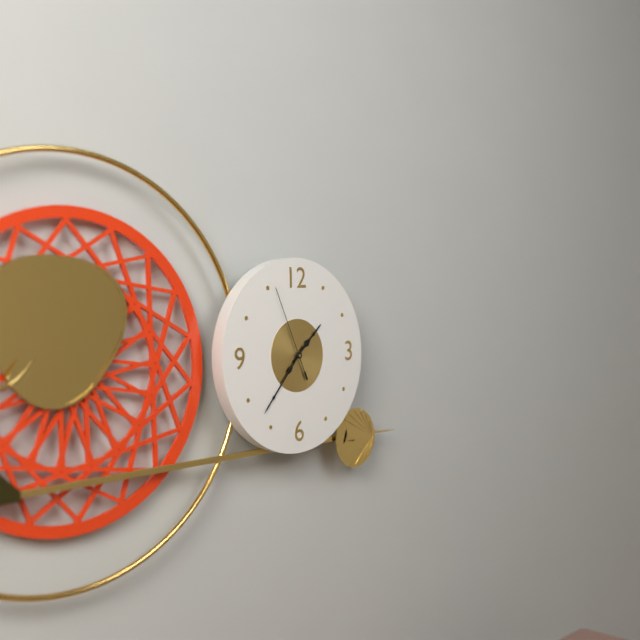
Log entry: {"hour": 1, "minute": 37, "second": 56}
